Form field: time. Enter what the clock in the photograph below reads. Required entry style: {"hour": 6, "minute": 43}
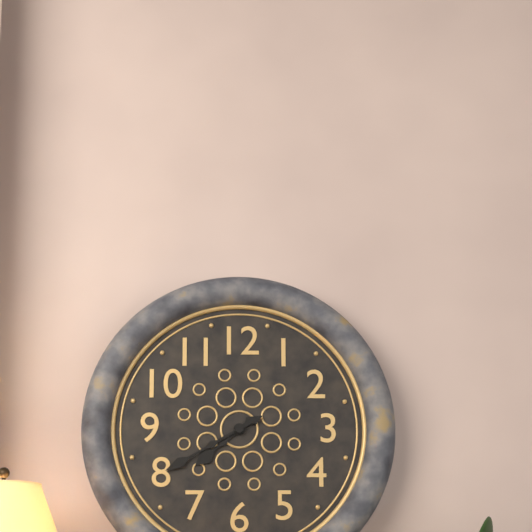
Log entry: {"hour": 7, "minute": 40}
